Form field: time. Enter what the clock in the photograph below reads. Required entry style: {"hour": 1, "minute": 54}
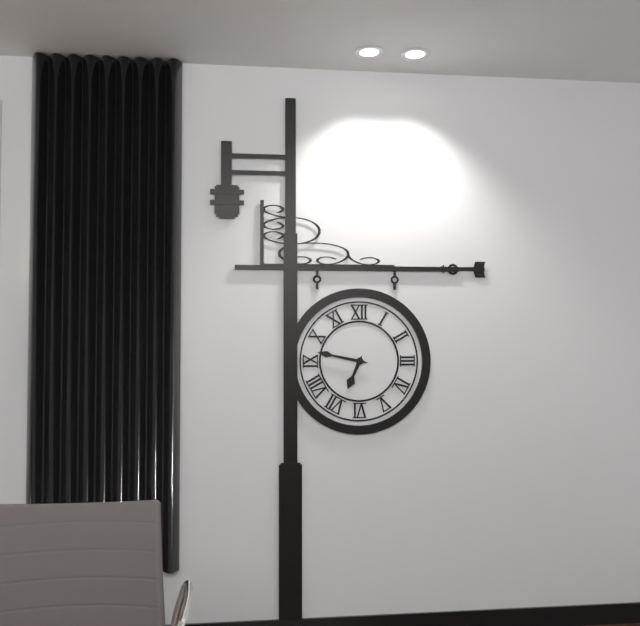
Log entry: {"hour": 6, "minute": 47}
